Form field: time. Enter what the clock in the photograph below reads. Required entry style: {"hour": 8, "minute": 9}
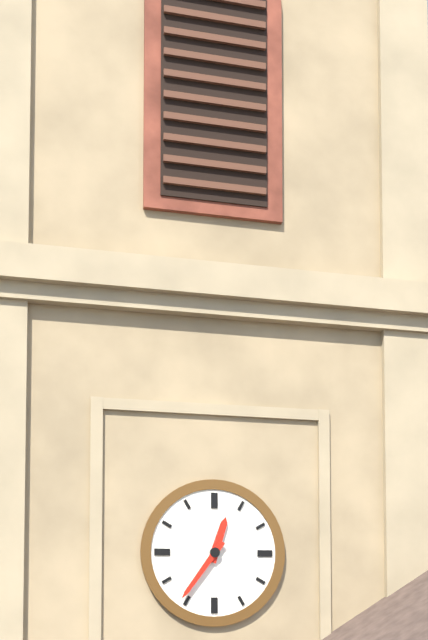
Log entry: {"hour": 12, "minute": 36}
